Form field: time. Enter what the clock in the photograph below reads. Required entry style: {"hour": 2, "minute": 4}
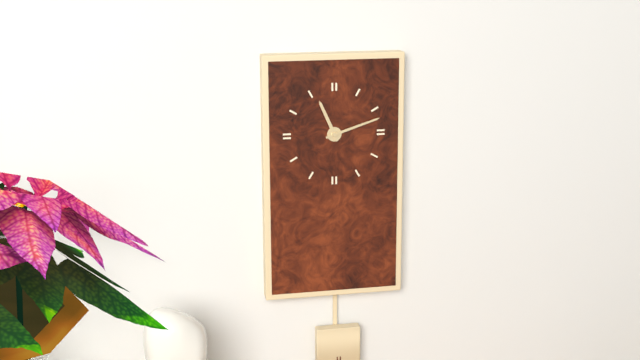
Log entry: {"hour": 11, "minute": 12}
